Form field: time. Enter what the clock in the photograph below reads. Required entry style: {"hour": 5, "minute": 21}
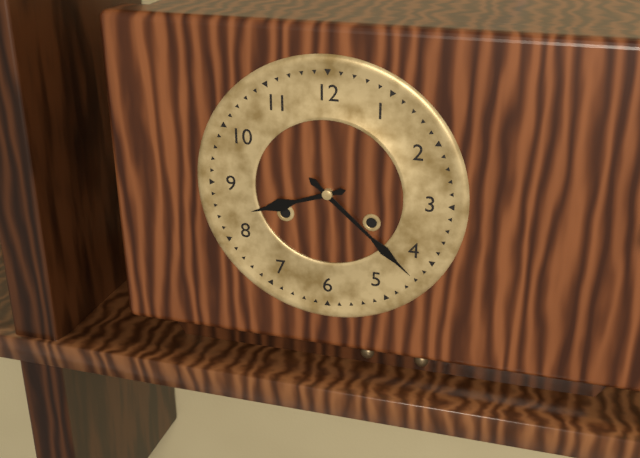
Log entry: {"hour": 8, "minute": 22}
